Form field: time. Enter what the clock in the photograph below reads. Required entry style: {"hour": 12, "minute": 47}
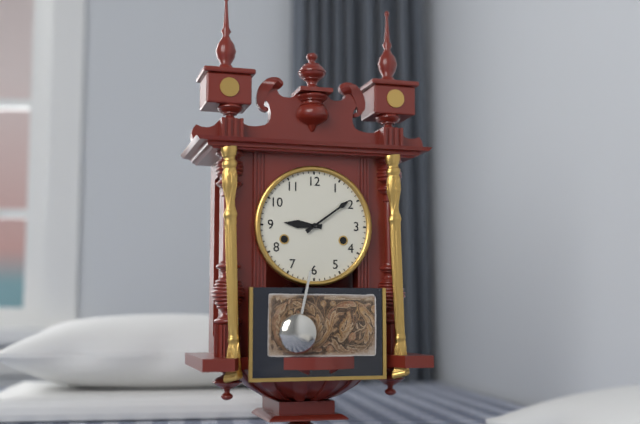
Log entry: {"hour": 9, "minute": 9}
